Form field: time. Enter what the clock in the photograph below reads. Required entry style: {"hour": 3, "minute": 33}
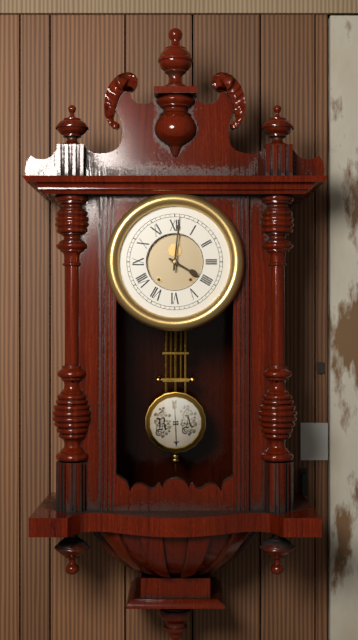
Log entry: {"hour": 4, "minute": 1}
